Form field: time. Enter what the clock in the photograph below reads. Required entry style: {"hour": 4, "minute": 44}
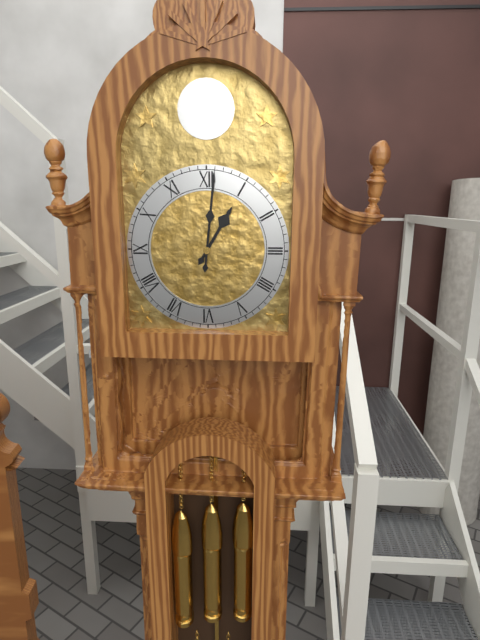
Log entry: {"hour": 1, "minute": 1}
